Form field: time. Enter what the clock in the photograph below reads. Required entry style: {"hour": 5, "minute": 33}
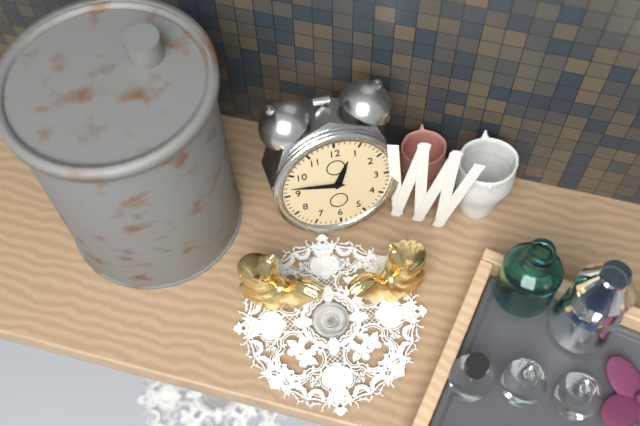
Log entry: {"hour": 12, "minute": 47}
